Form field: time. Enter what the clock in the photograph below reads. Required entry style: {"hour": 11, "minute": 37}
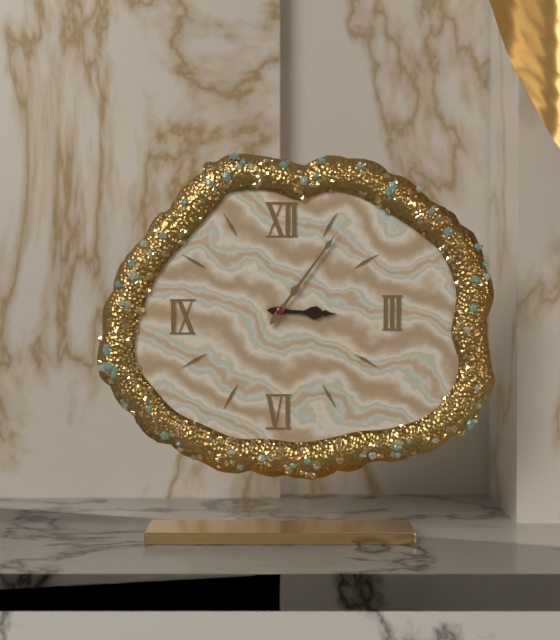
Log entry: {"hour": 3, "minute": 6}
